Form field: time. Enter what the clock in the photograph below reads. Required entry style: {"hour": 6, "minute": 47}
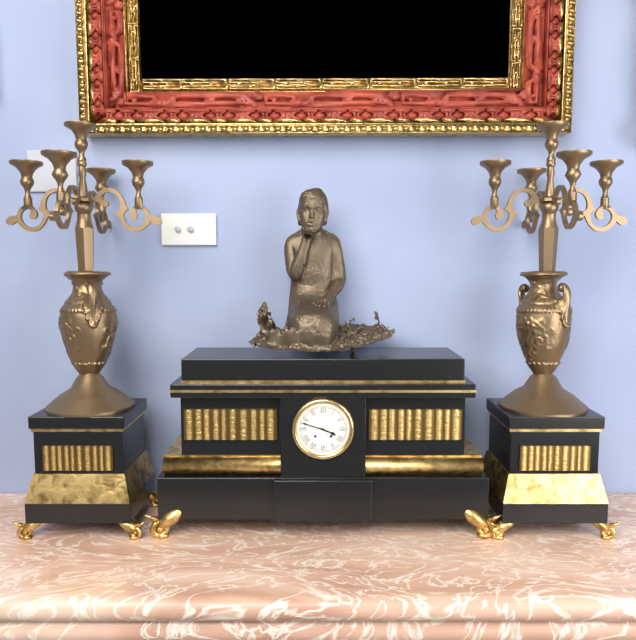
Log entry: {"hour": 3, "minute": 48}
